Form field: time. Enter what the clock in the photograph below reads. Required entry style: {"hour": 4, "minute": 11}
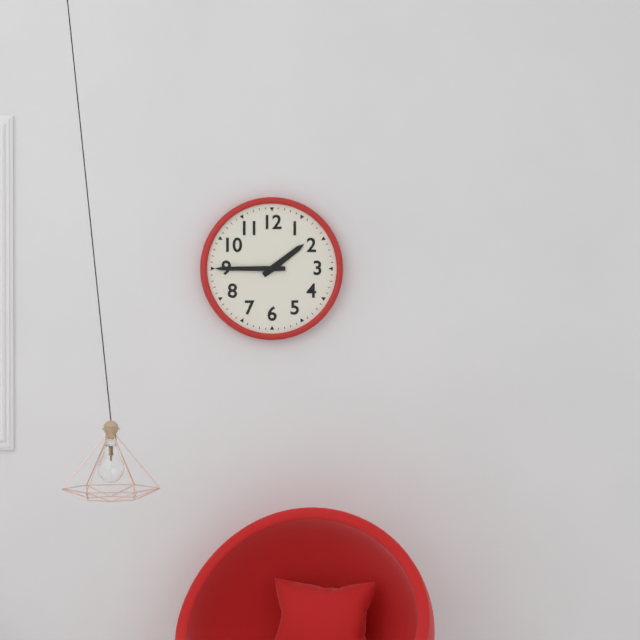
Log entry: {"hour": 1, "minute": 45}
